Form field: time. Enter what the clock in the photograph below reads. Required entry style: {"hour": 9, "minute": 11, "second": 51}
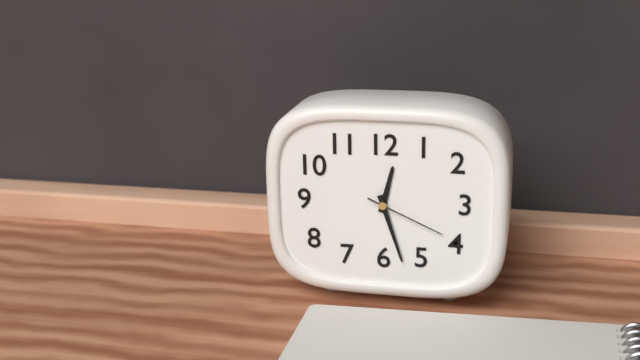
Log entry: {"hour": 12, "minute": 27, "second": 19}
